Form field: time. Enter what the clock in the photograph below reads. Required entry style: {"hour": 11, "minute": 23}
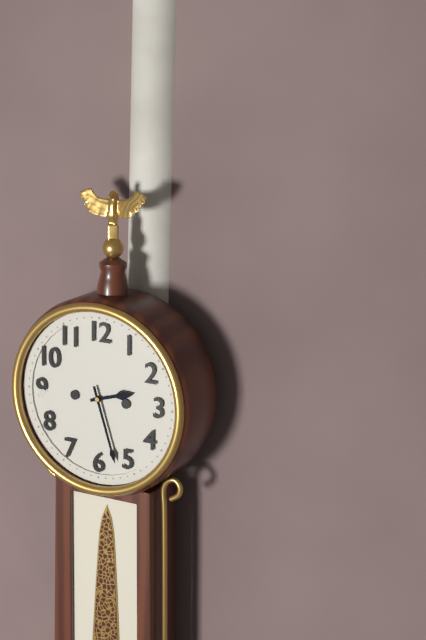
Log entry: {"hour": 2, "minute": 27}
